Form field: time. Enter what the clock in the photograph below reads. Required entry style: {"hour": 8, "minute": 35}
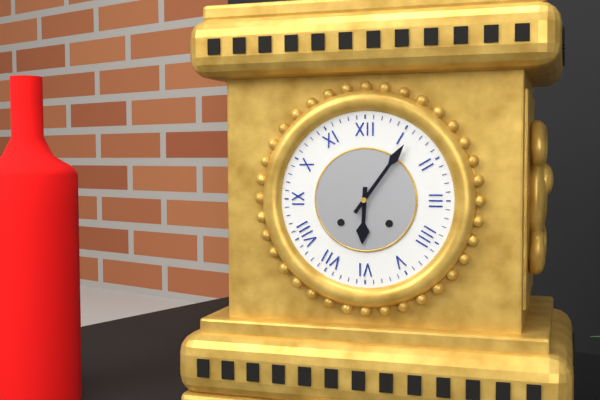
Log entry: {"hour": 6, "minute": 6}
